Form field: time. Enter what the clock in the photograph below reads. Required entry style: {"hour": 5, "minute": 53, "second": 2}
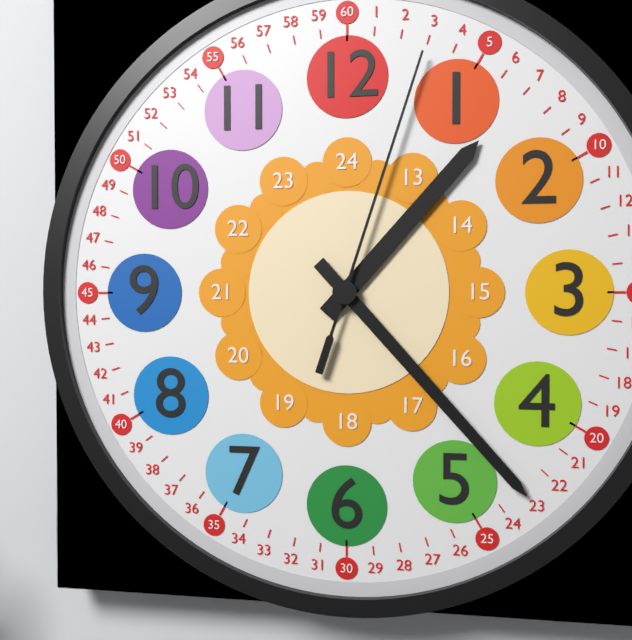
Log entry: {"hour": 1, "minute": 23, "second": 3}
